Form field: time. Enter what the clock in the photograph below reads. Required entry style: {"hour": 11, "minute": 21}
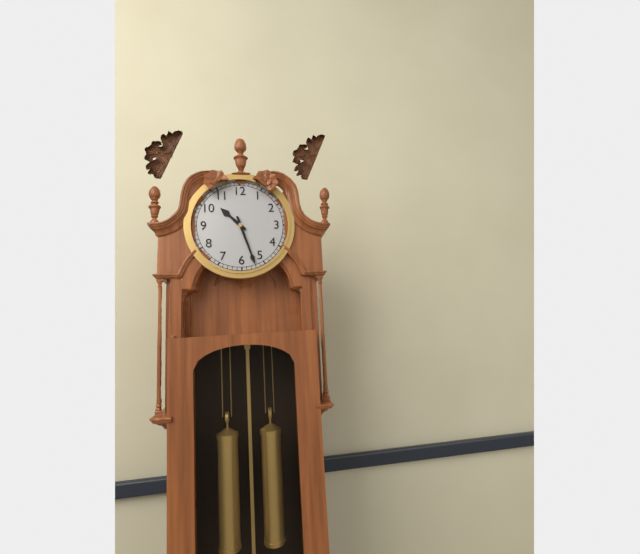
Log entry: {"hour": 10, "minute": 27}
